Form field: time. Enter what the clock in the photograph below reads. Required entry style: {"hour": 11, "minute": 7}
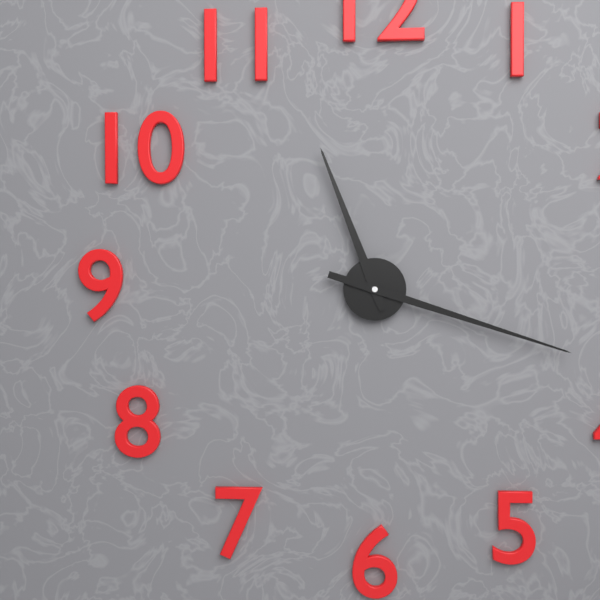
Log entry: {"hour": 11, "minute": 18}
